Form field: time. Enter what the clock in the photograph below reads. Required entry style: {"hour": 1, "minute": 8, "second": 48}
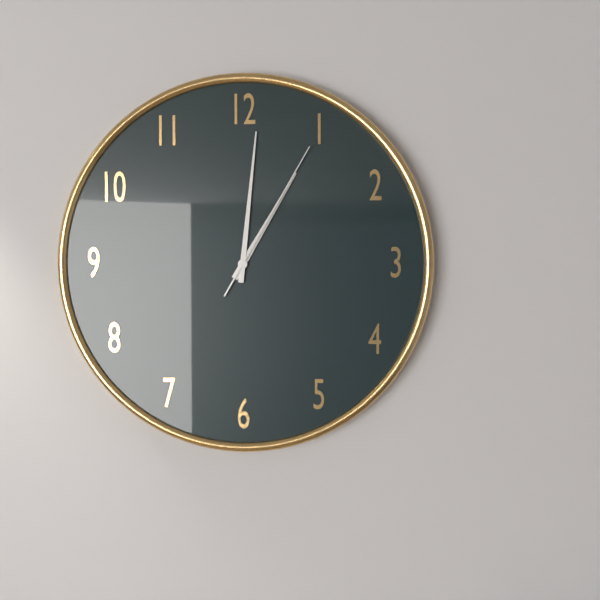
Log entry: {"hour": 1, "minute": 1, "second": 5}
